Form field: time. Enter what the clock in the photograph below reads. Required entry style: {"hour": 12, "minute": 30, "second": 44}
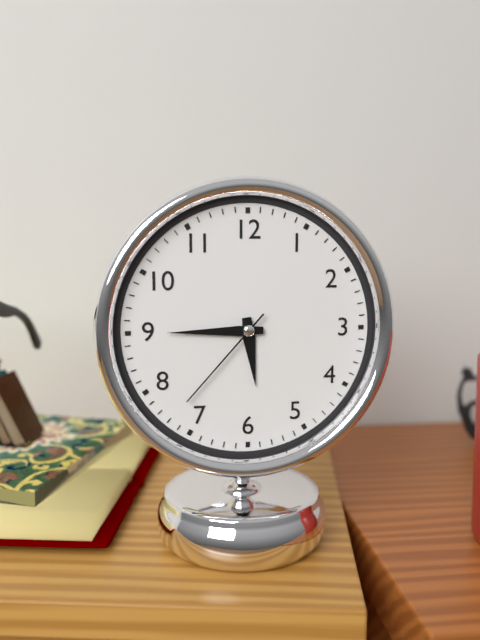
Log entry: {"hour": 5, "minute": 45, "second": 37}
